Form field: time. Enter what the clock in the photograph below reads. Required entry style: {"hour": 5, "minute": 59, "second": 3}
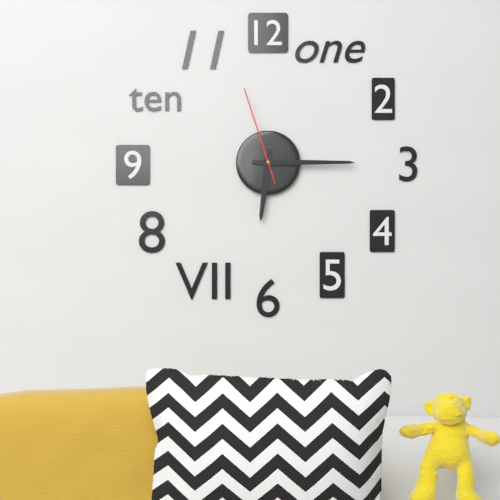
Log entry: {"hour": 6, "minute": 15, "second": 57}
